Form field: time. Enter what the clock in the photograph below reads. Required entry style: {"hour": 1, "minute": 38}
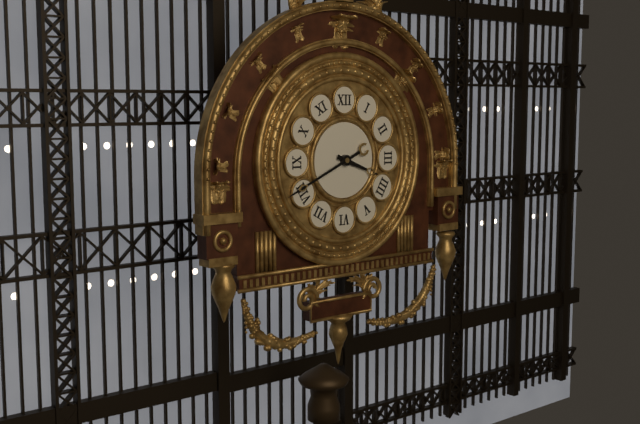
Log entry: {"hour": 3, "minute": 41}
